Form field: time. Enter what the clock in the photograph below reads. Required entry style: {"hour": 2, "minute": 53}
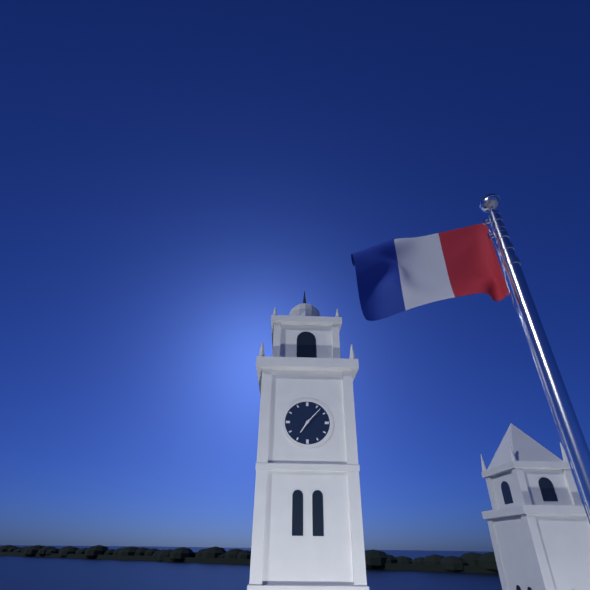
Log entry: {"hour": 7, "minute": 7}
